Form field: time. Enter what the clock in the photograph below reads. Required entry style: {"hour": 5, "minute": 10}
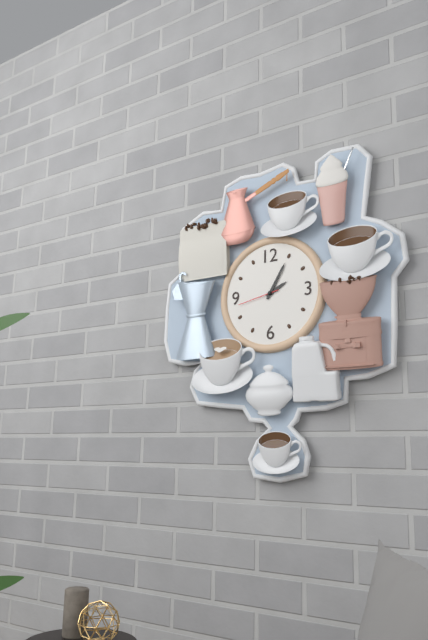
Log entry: {"hour": 2, "minute": 5}
